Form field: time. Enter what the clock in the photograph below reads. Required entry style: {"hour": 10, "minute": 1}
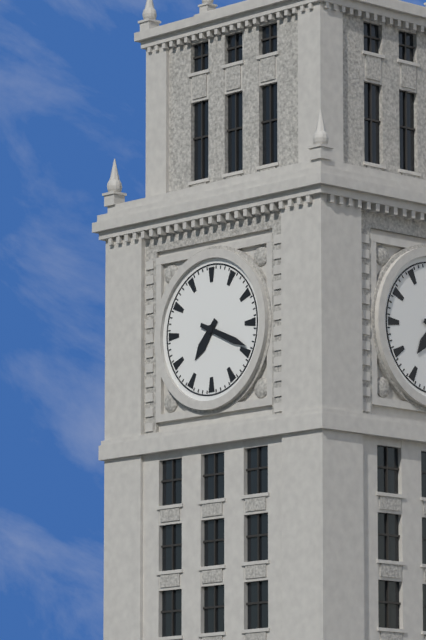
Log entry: {"hour": 7, "minute": 19}
